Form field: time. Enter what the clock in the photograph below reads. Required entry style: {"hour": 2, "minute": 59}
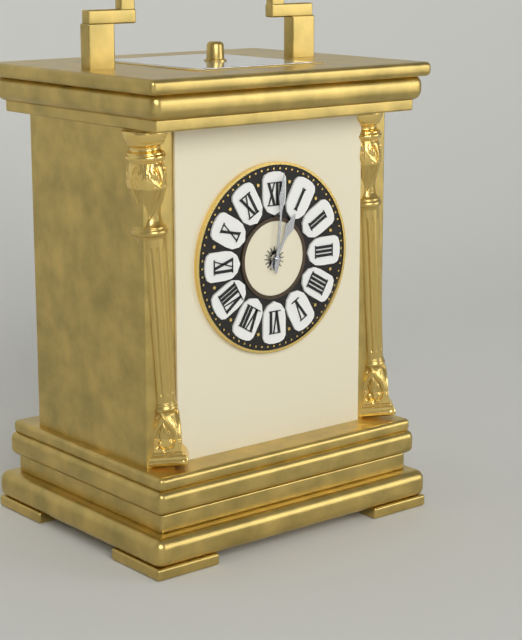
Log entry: {"hour": 1, "minute": 1}
